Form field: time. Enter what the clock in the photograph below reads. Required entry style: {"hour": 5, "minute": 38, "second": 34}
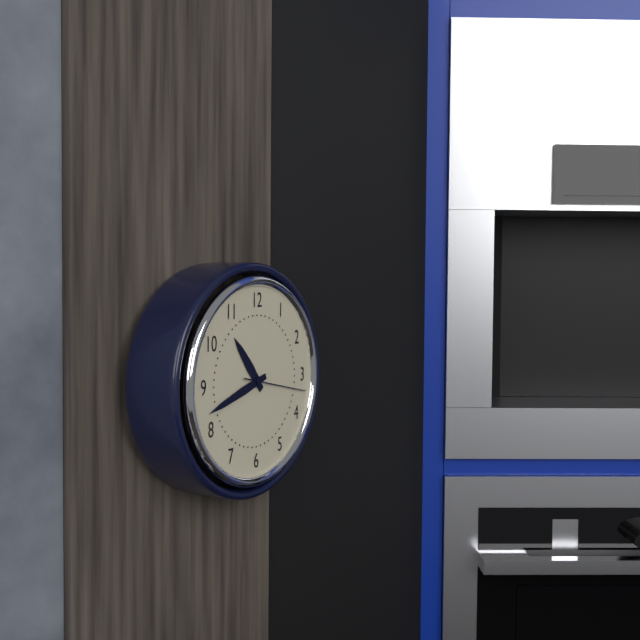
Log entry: {"hour": 10, "minute": 42, "second": 17}
